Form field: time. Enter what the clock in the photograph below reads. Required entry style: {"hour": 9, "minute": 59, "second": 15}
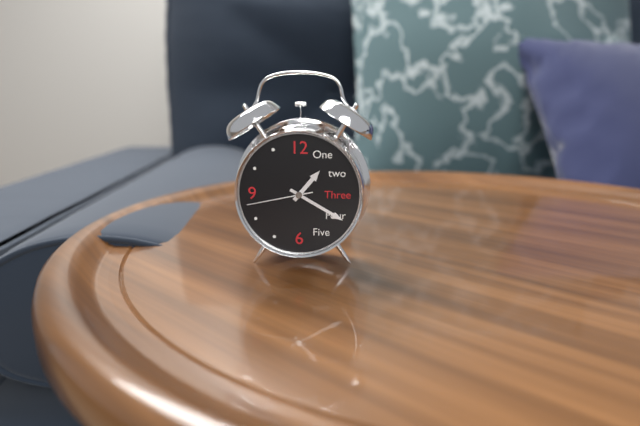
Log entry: {"hour": 1, "minute": 20, "second": 43}
